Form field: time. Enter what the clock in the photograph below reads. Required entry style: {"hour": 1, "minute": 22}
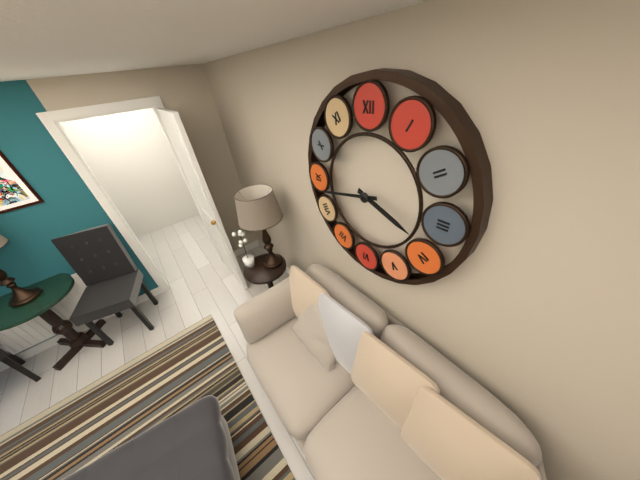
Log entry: {"hour": 3, "minute": 43}
